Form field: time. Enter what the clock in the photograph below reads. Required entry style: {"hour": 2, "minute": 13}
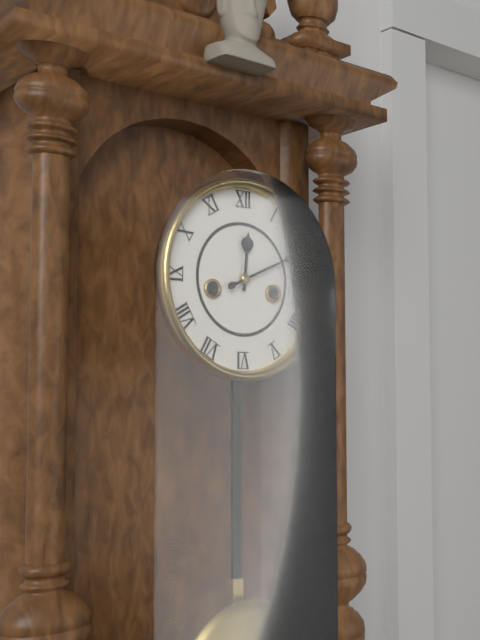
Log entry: {"hour": 12, "minute": 11}
